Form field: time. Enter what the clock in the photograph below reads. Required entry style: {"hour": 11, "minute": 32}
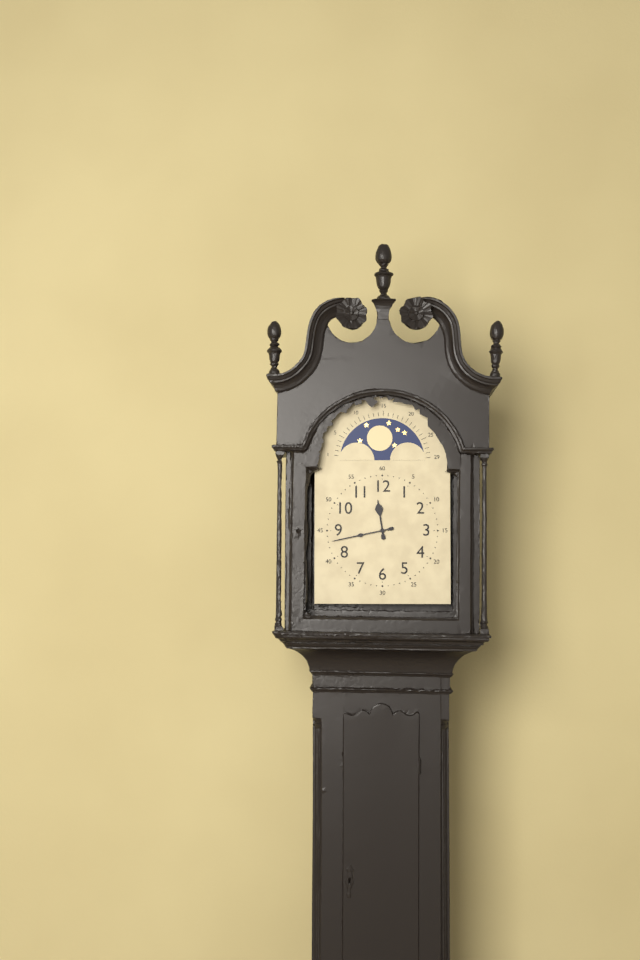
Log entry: {"hour": 11, "minute": 43}
